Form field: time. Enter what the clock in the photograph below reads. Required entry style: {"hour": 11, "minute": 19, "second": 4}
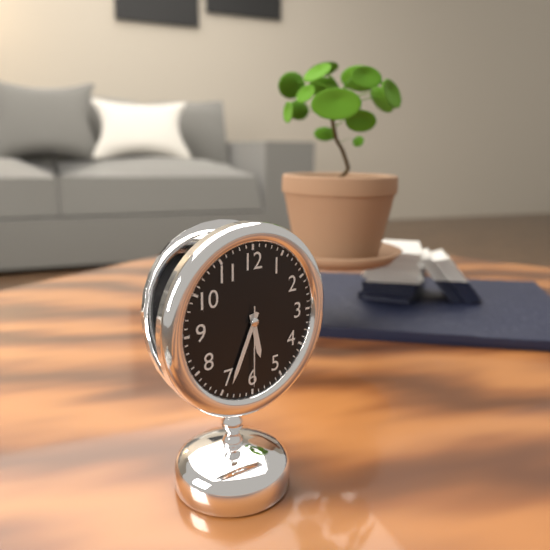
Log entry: {"hour": 5, "minute": 34, "second": 30}
